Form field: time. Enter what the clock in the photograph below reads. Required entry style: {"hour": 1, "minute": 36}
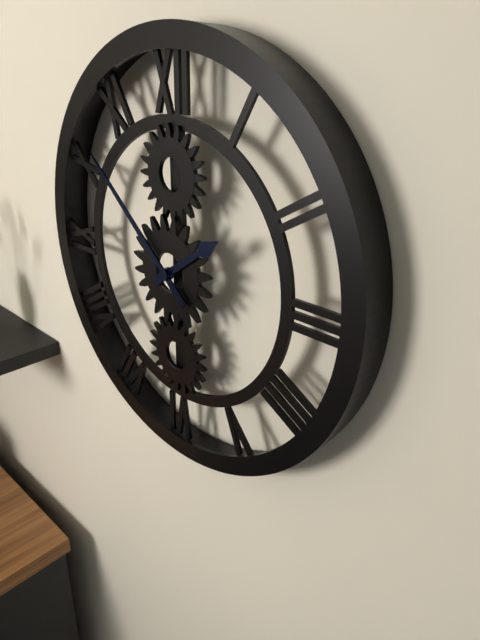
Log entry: {"hour": 1, "minute": 52}
